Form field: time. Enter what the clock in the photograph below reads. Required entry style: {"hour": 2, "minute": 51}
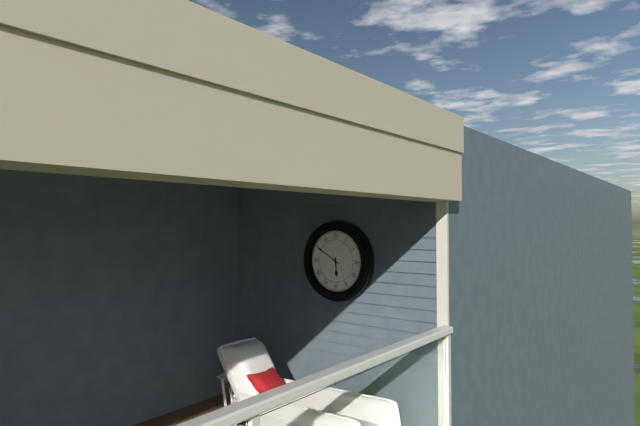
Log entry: {"hour": 5, "minute": 50}
